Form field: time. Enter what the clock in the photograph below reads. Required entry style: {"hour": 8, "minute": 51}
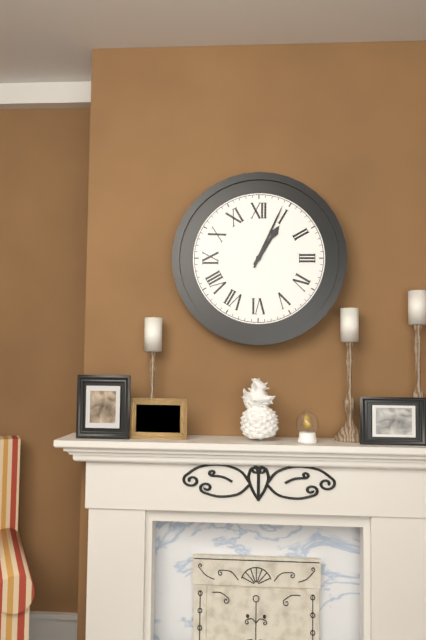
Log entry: {"hour": 1, "minute": 4}
